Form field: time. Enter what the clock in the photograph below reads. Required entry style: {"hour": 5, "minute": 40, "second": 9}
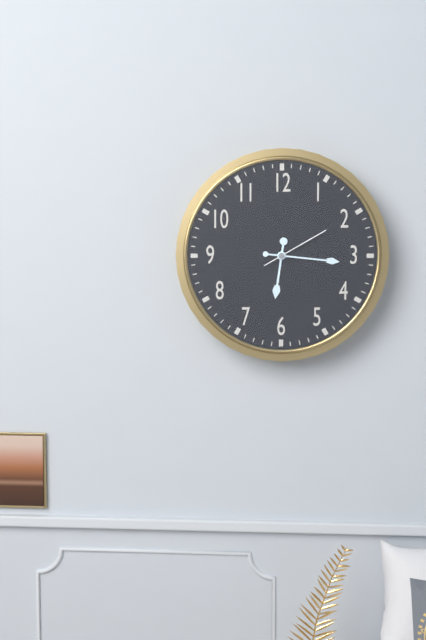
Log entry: {"hour": 6, "minute": 16, "second": 10}
